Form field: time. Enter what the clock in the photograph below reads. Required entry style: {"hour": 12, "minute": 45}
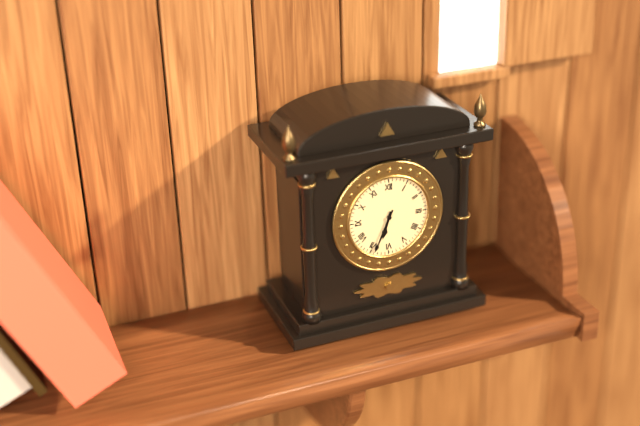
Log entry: {"hour": 6, "minute": 34}
